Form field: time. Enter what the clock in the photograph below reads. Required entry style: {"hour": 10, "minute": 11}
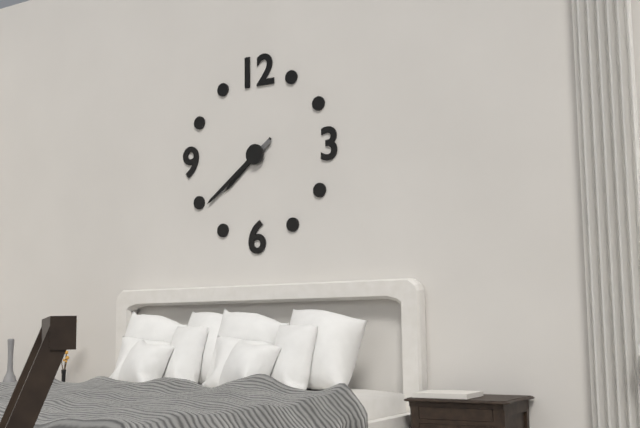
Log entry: {"hour": 7, "minute": 39}
